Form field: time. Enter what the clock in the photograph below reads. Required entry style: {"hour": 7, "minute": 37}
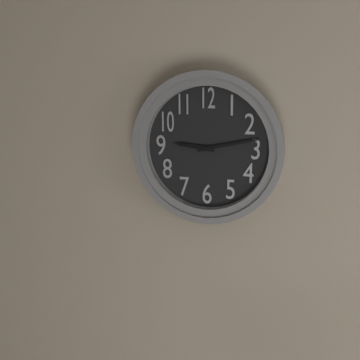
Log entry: {"hour": 9, "minute": 13}
